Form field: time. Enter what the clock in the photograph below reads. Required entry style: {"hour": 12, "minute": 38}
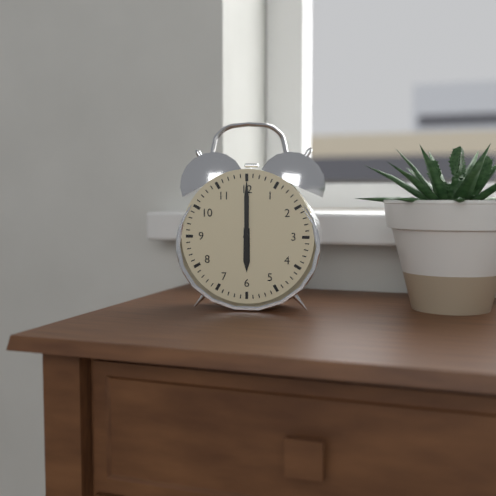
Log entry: {"hour": 6, "minute": 0}
